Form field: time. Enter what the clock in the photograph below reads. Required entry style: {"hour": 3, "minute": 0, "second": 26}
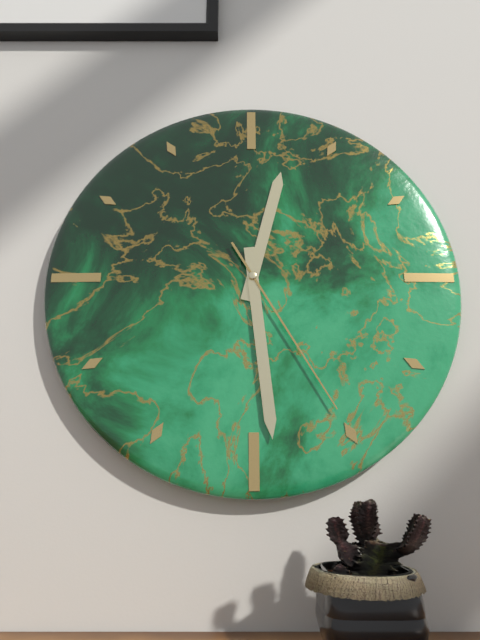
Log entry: {"hour": 12, "minute": 29, "second": 25}
